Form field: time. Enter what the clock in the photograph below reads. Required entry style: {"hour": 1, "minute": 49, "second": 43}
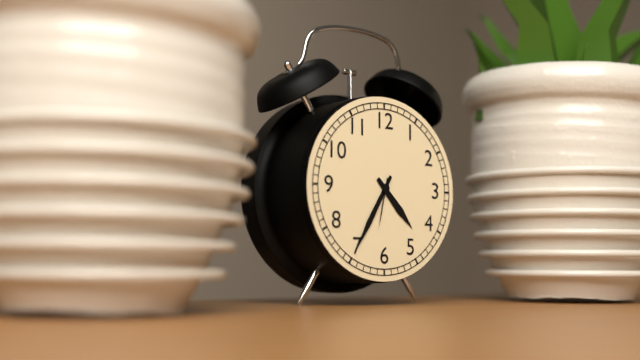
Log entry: {"hour": 4, "minute": 35, "second": 32}
